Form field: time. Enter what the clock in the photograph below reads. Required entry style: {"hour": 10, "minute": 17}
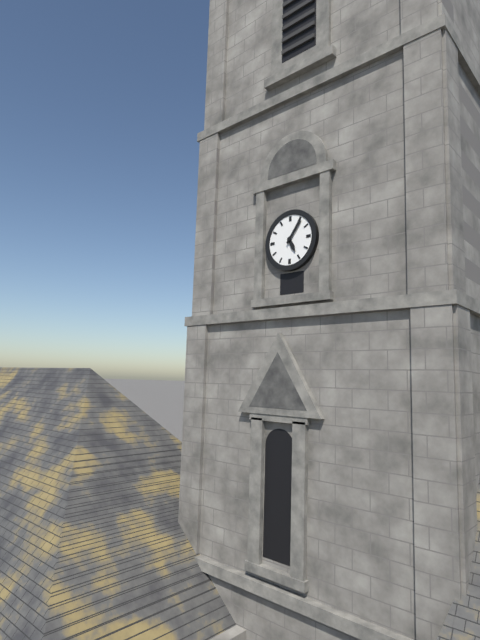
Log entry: {"hour": 5, "minute": 6}
